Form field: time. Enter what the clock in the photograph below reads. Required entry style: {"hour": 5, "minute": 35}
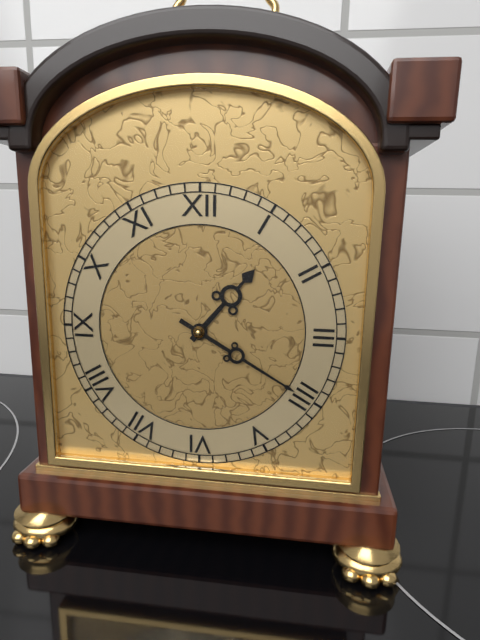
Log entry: {"hour": 1, "minute": 20}
